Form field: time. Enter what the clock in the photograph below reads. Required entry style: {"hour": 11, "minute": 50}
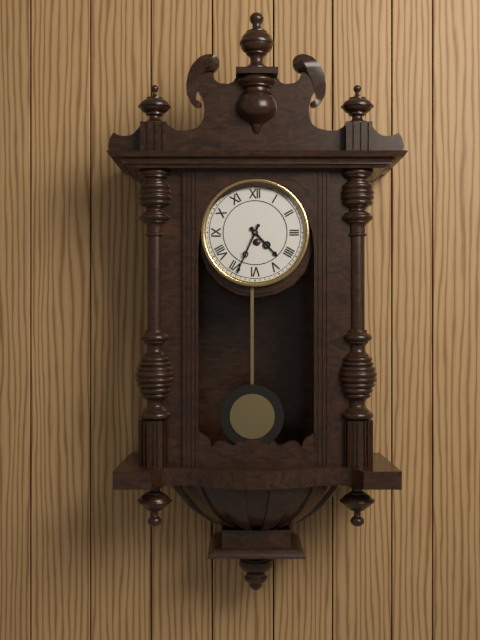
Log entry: {"hour": 4, "minute": 34}
